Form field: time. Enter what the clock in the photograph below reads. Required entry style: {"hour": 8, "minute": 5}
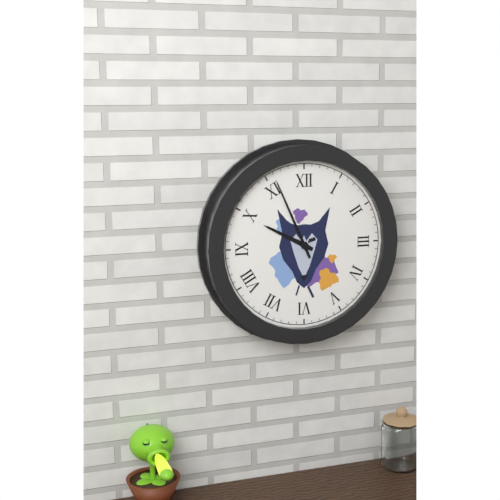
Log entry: {"hour": 9, "minute": 56}
